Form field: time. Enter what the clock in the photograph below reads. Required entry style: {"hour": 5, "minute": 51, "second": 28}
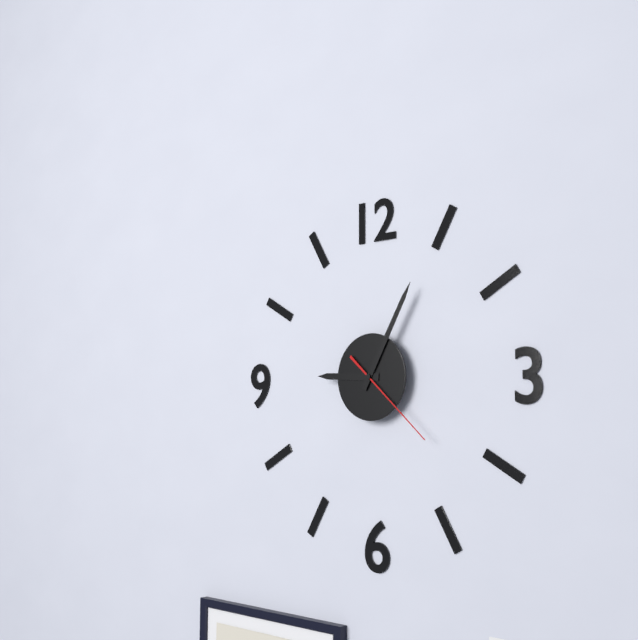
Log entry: {"hour": 9, "minute": 5, "second": 22}
